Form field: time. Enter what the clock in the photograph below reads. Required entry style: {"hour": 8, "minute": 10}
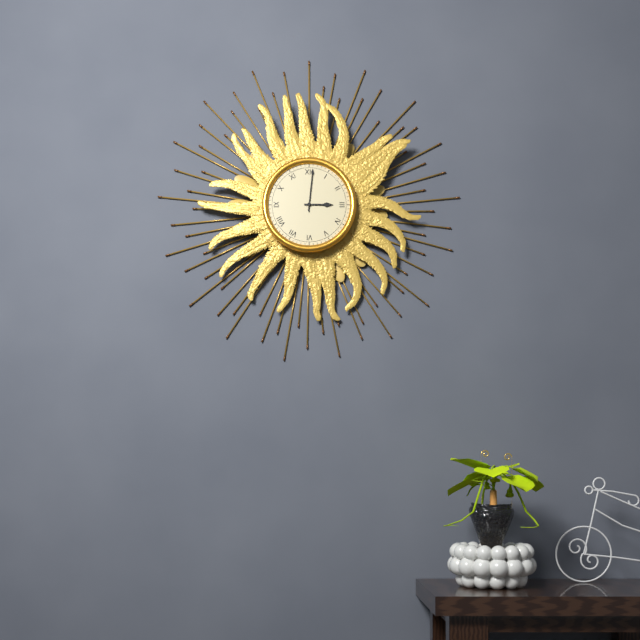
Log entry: {"hour": 3, "minute": 1}
